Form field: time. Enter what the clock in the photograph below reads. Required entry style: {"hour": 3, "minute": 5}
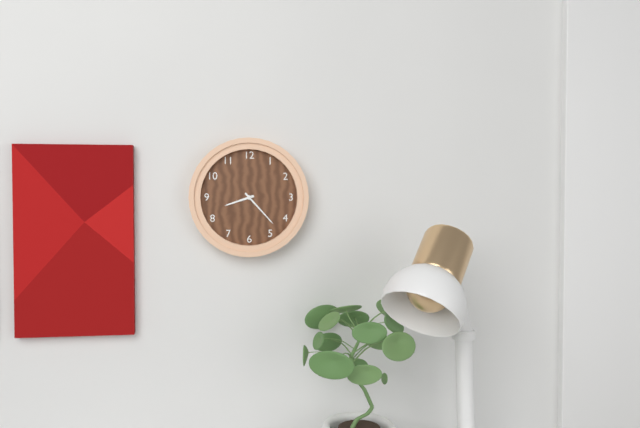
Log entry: {"hour": 8, "minute": 23}
